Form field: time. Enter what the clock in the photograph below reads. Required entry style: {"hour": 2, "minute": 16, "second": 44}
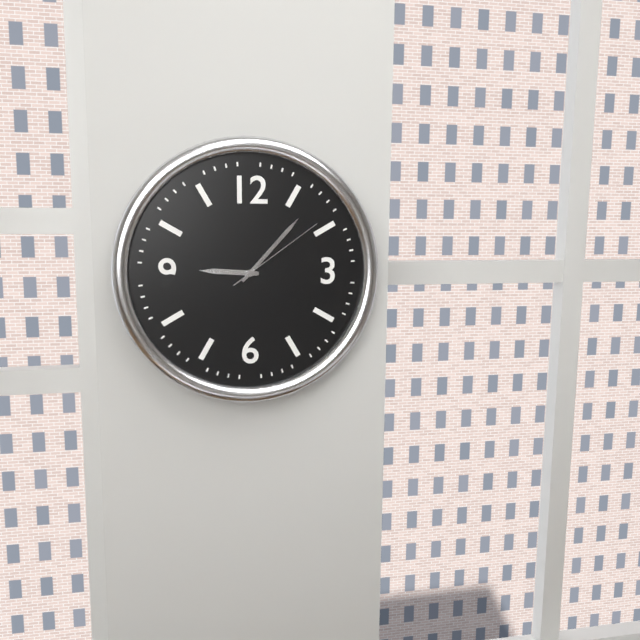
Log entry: {"hour": 9, "minute": 7, "second": 9}
